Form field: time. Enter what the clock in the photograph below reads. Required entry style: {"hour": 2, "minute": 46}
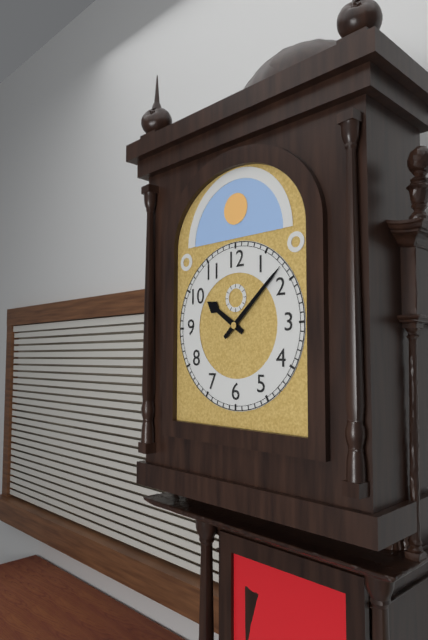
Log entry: {"hour": 10, "minute": 8}
